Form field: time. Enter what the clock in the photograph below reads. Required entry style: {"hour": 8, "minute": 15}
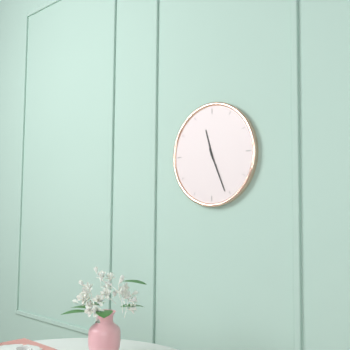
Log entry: {"hour": 11, "minute": 26}
